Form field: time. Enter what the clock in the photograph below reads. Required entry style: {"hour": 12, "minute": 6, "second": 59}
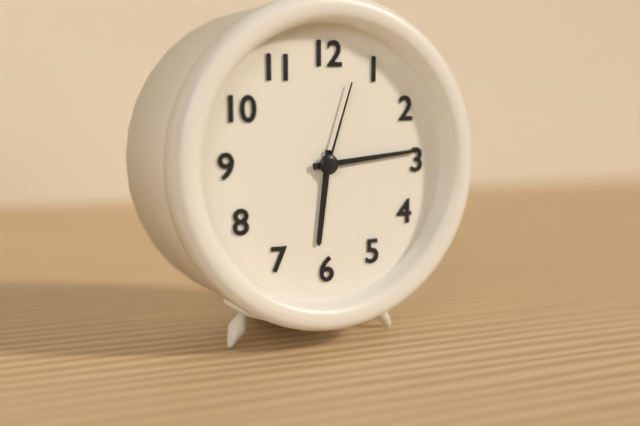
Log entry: {"hour": 6, "minute": 14, "second": 3}
